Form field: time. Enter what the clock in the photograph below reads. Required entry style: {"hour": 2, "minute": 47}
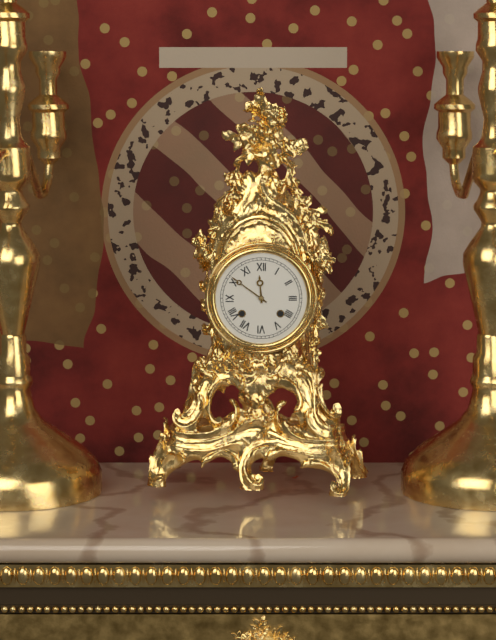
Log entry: {"hour": 11, "minute": 51}
